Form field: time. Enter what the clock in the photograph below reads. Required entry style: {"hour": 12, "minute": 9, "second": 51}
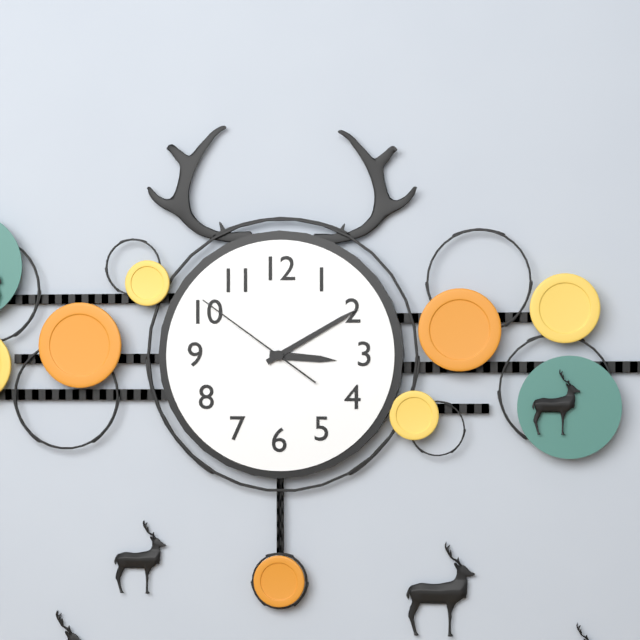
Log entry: {"hour": 3, "minute": 10, "second": 51}
